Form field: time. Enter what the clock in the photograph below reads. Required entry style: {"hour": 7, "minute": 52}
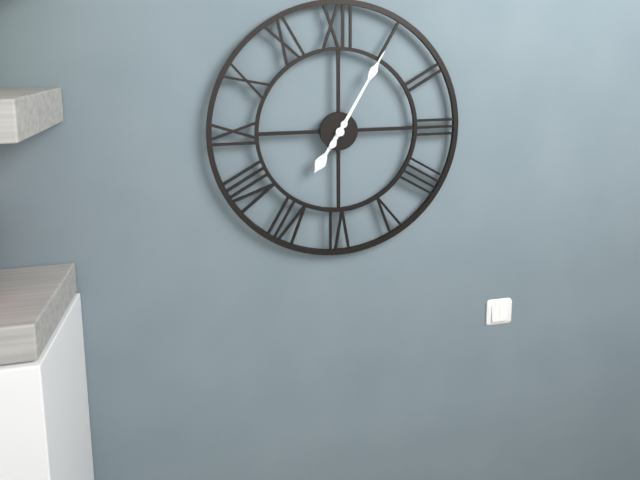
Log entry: {"hour": 7, "minute": 5}
